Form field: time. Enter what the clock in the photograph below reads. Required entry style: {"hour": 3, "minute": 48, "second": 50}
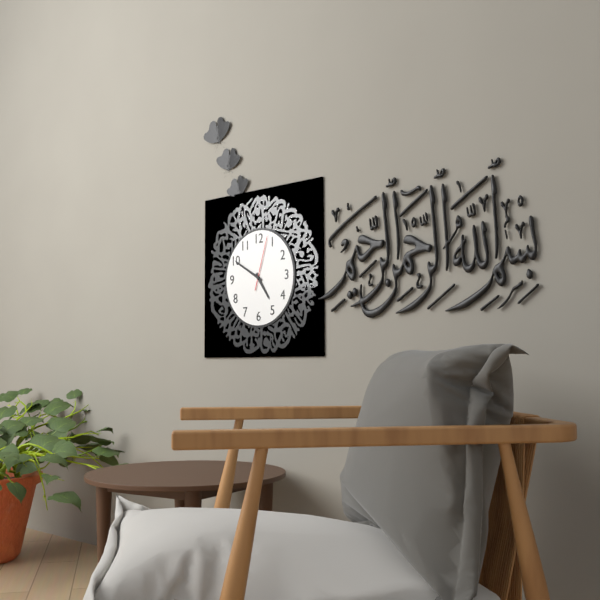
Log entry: {"hour": 4, "minute": 50, "second": 3}
